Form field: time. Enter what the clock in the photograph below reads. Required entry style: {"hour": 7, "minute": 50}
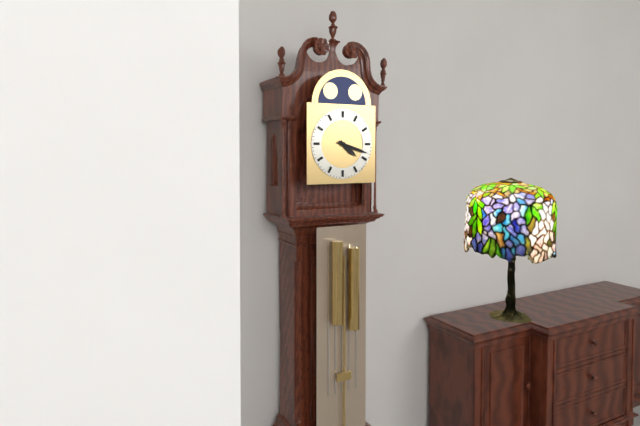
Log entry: {"hour": 4, "minute": 18}
